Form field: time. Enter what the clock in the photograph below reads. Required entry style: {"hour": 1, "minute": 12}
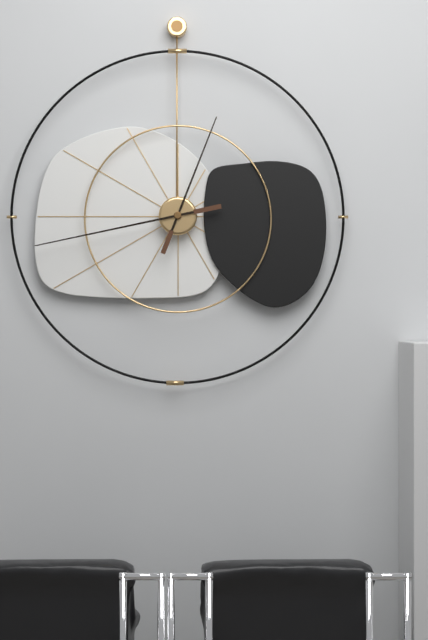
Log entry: {"hour": 12, "minute": 43}
